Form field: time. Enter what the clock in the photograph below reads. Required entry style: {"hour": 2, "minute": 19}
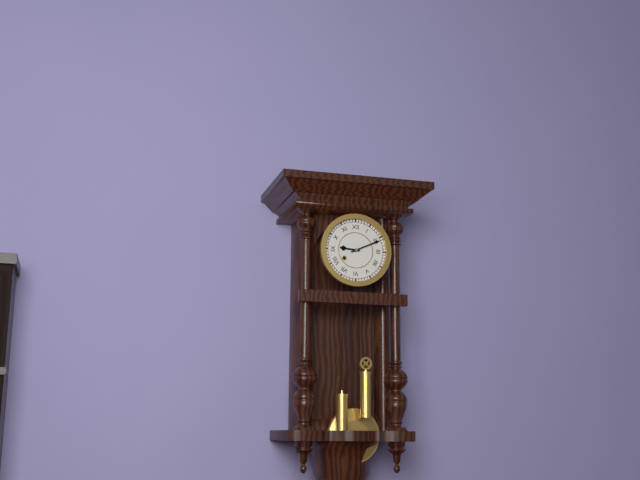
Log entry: {"hour": 9, "minute": 11}
